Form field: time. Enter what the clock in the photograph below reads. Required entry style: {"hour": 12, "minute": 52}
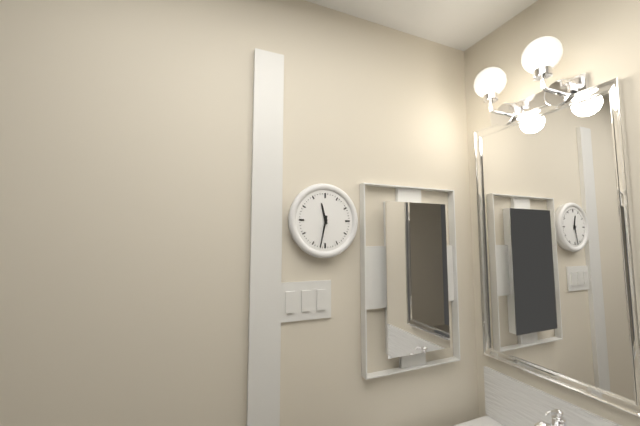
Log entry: {"hour": 11, "minute": 32}
